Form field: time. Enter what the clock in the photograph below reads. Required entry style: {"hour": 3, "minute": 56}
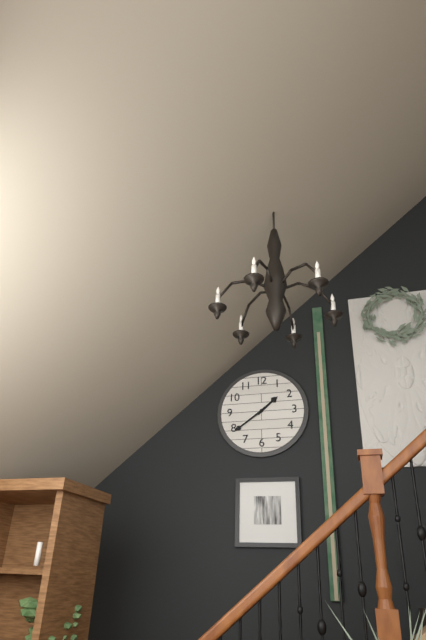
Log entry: {"hour": 1, "minute": 39}
